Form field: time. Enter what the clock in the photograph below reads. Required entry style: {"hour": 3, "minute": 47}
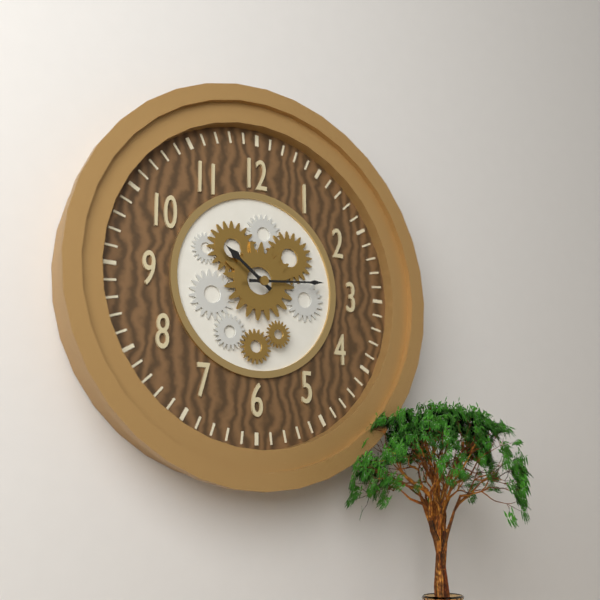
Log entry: {"hour": 10, "minute": 14}
